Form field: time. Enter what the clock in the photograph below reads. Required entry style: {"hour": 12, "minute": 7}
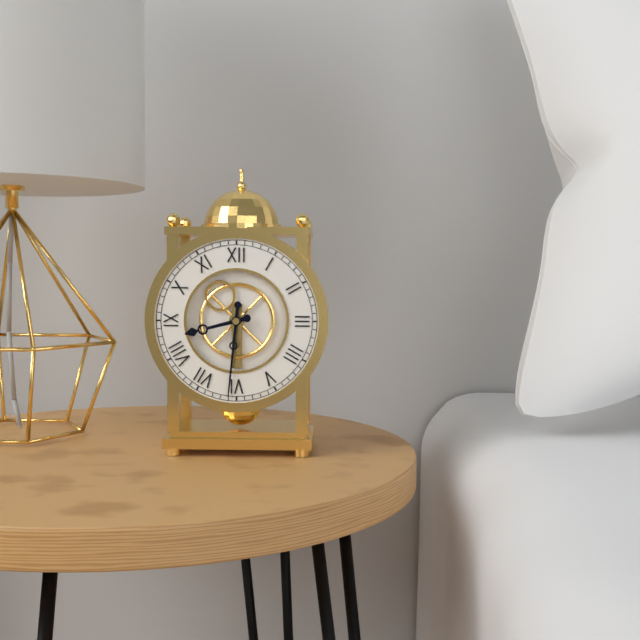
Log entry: {"hour": 8, "minute": 31}
